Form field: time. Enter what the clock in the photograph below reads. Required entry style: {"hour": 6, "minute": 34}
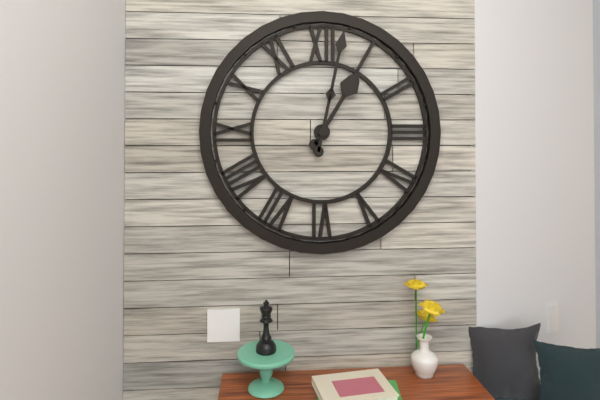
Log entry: {"hour": 1, "minute": 2}
